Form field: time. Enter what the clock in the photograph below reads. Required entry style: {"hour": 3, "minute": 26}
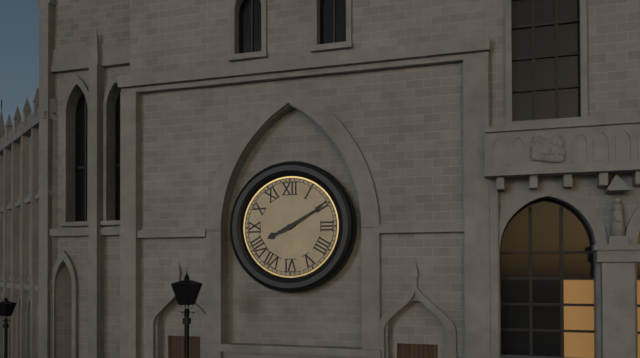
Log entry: {"hour": 8, "minute": 10}
